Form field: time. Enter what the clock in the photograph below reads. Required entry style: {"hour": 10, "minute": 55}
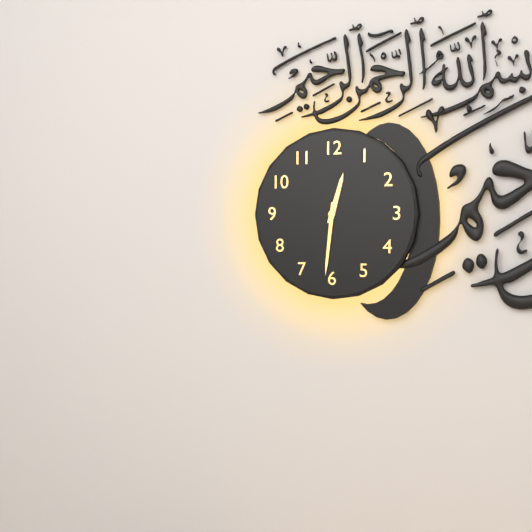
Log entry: {"hour": 12, "minute": 31}
